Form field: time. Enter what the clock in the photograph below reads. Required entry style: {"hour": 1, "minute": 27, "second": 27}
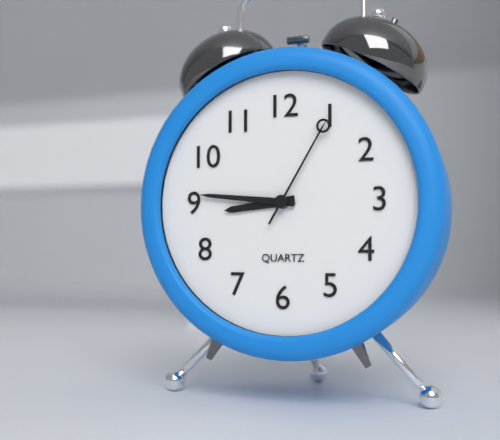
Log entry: {"hour": 8, "minute": 46, "second": 5}
